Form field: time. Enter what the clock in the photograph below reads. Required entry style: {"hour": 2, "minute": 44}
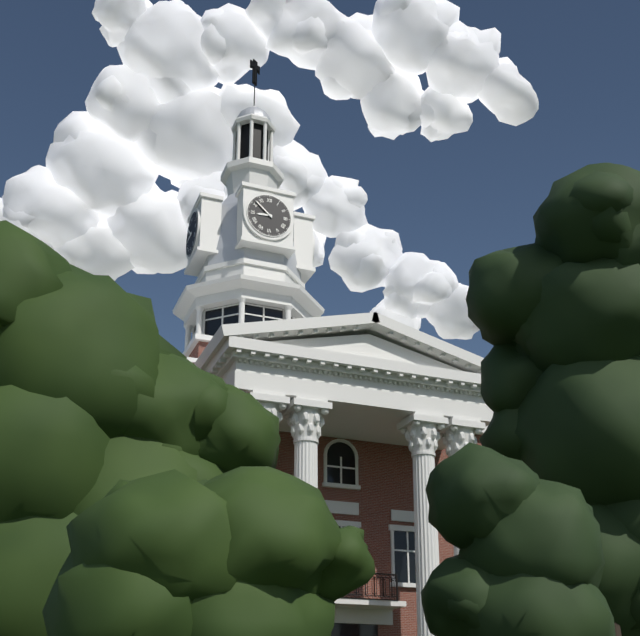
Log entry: {"hour": 8, "minute": 52}
